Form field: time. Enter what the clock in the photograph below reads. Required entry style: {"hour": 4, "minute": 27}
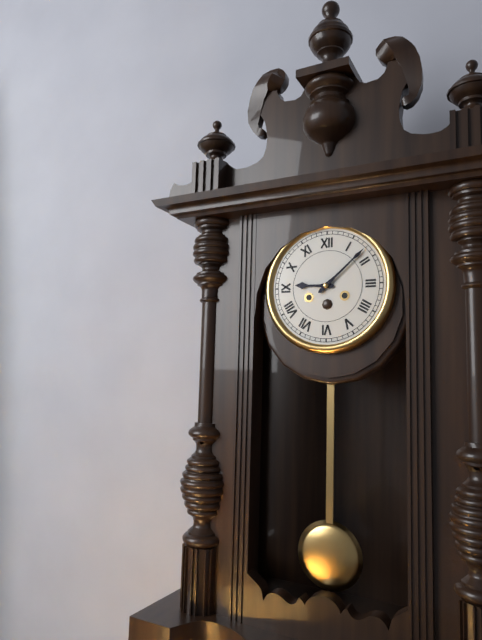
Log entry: {"hour": 9, "minute": 8}
